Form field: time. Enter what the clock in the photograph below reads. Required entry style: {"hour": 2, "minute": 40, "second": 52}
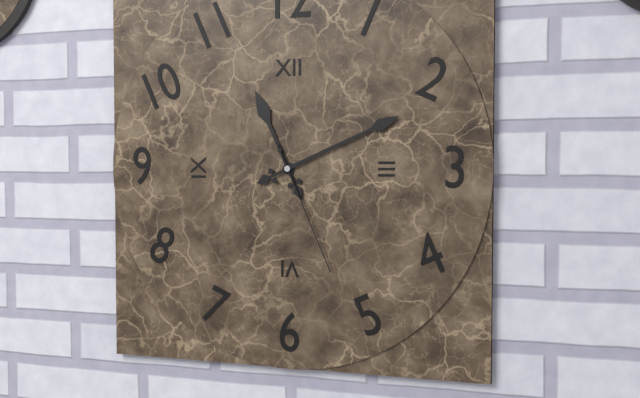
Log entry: {"hour": 11, "minute": 11, "second": 26}
